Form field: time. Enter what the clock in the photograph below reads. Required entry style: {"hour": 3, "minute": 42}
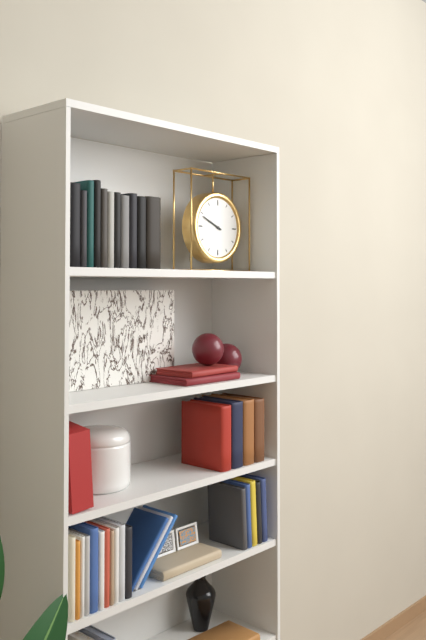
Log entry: {"hour": 9, "minute": 49}
